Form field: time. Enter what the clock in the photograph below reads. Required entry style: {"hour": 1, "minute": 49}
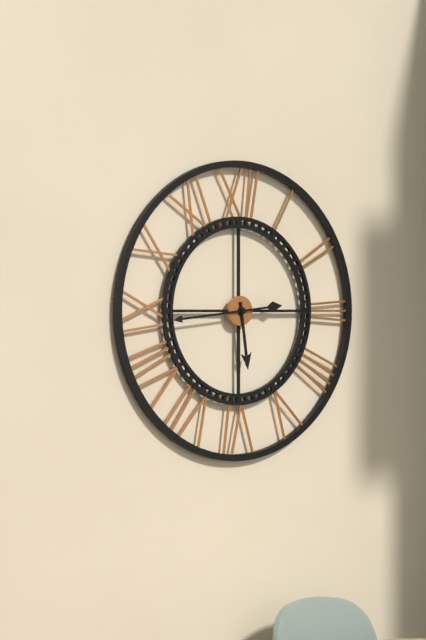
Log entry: {"hour": 5, "minute": 44}
